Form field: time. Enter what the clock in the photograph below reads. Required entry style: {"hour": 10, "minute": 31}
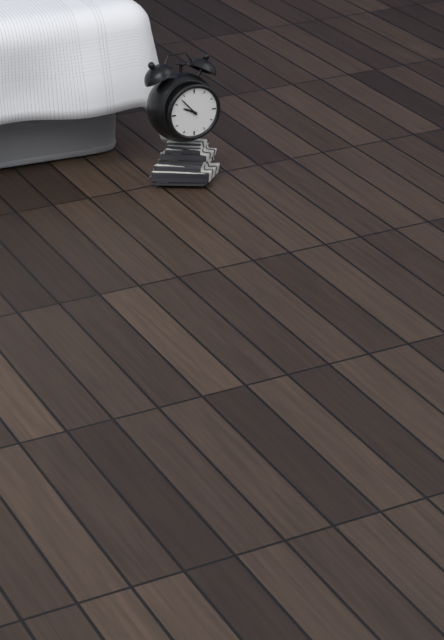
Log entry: {"hour": 9, "minute": 53}
